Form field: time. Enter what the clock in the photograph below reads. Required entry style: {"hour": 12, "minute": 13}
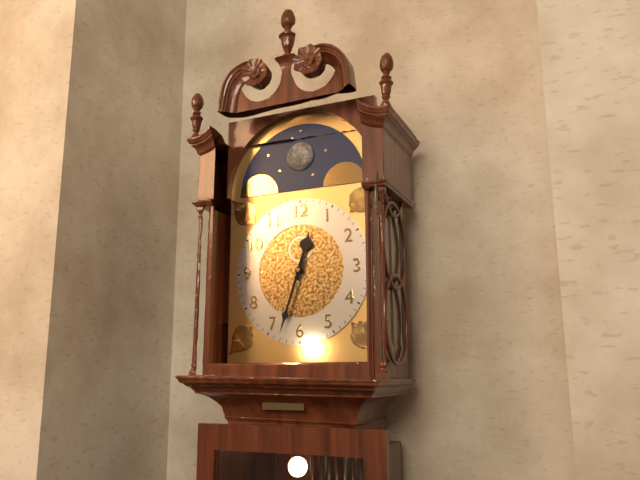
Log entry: {"hour": 12, "minute": 33}
